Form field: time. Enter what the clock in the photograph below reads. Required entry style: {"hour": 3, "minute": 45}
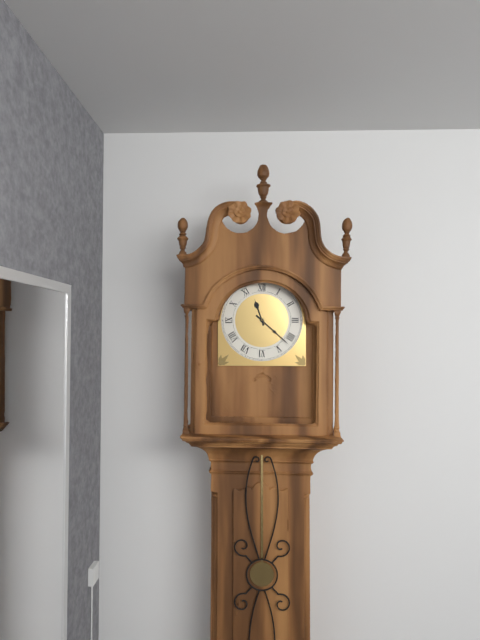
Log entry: {"hour": 11, "minute": 22}
